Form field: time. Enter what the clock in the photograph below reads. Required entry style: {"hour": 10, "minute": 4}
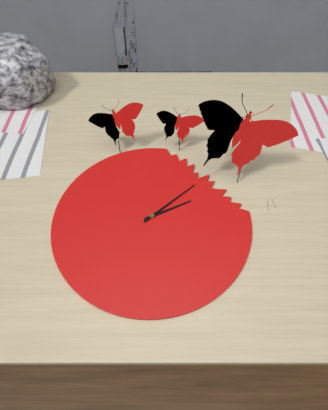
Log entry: {"hour": 2, "minute": 8}
